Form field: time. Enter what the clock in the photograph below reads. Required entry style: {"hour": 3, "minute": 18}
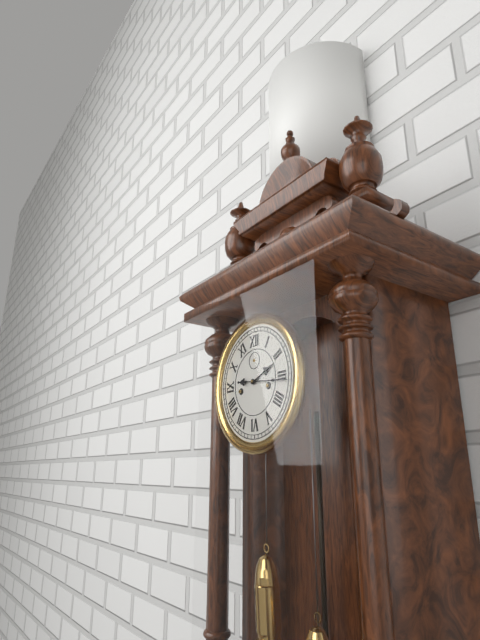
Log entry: {"hour": 2, "minute": 16}
